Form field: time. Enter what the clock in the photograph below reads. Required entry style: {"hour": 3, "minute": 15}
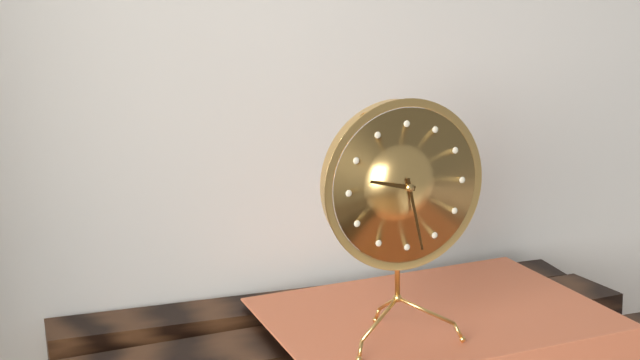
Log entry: {"hour": 9, "minute": 28}
